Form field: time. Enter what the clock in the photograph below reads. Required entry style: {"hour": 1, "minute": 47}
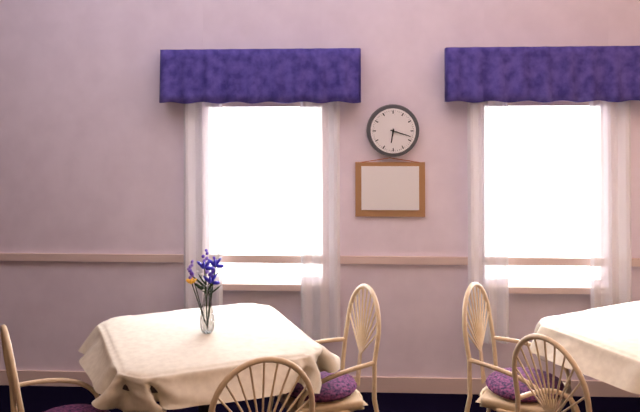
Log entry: {"hour": 6, "minute": 18}
